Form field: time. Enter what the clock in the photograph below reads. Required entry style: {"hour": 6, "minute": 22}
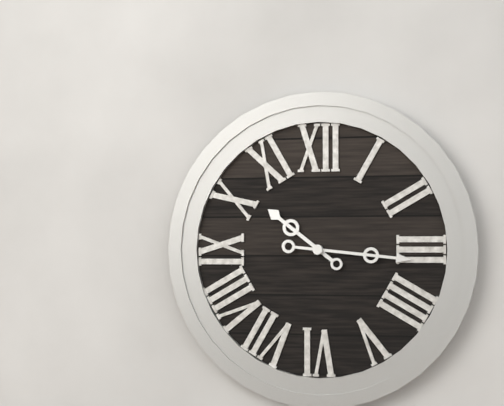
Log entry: {"hour": 10, "minute": 16}
